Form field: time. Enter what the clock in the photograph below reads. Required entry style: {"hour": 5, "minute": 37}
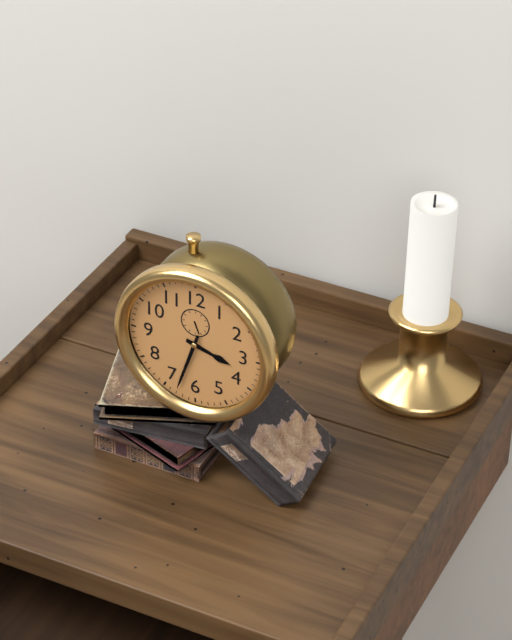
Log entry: {"hour": 3, "minute": 33}
